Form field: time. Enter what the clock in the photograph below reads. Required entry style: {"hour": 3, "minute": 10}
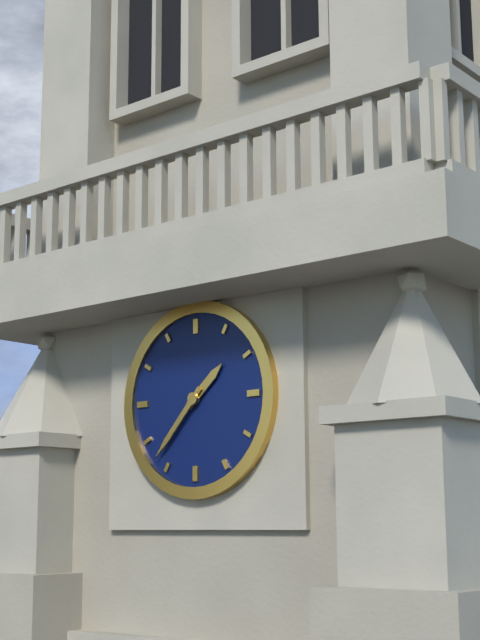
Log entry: {"hour": 1, "minute": 37}
